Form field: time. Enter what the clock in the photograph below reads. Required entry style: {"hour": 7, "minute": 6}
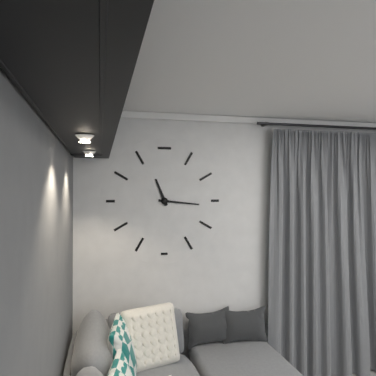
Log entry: {"hour": 11, "minute": 16}
